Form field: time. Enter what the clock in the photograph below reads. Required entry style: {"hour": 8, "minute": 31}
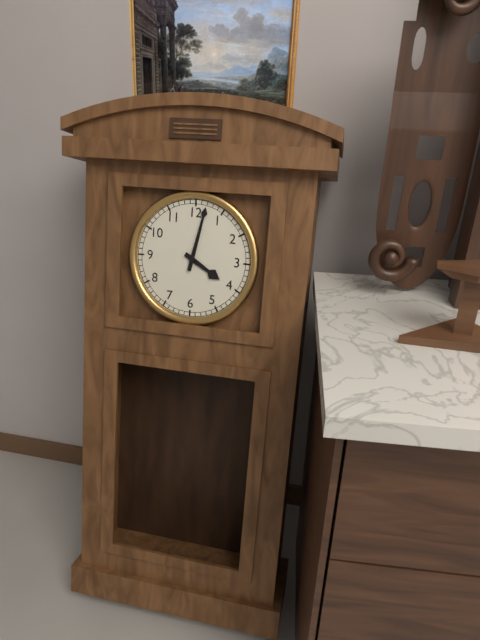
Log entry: {"hour": 4, "minute": 2}
